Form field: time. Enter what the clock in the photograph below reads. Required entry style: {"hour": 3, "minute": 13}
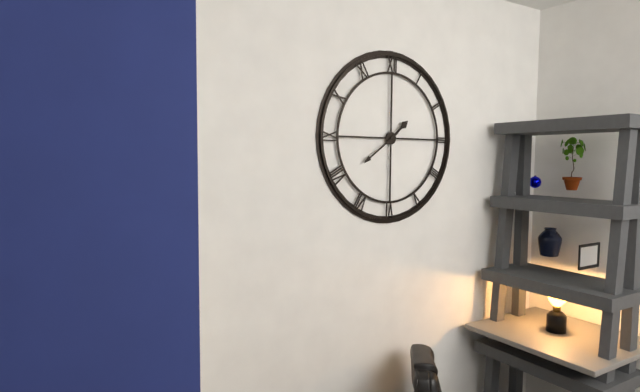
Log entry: {"hour": 1, "minute": 39}
